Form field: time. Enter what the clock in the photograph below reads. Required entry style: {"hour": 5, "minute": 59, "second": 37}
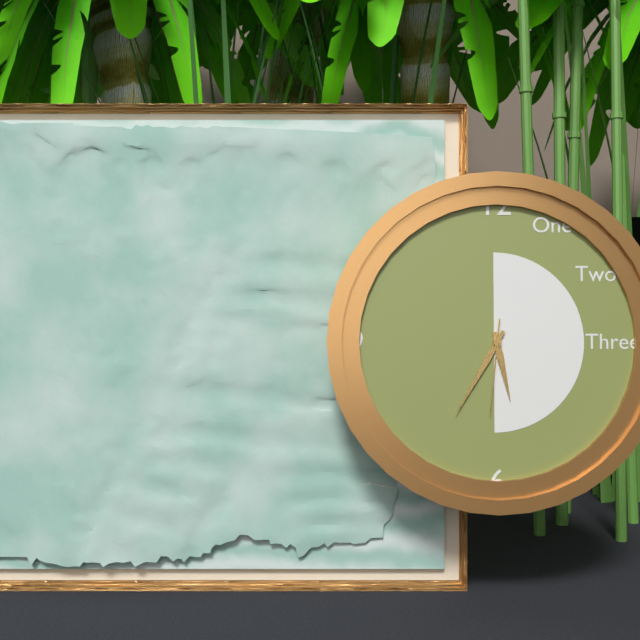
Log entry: {"hour": 5, "minute": 35, "second": 31}
